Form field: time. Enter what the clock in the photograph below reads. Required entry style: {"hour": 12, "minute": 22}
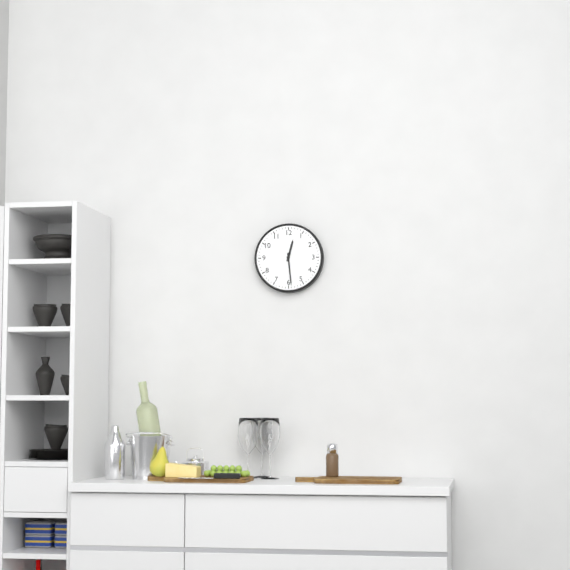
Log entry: {"hour": 12, "minute": 29}
